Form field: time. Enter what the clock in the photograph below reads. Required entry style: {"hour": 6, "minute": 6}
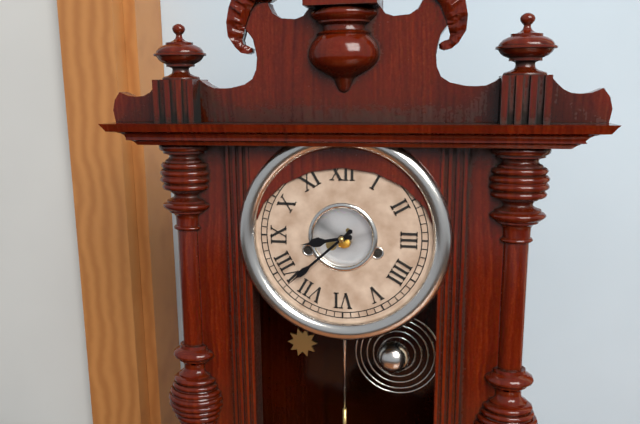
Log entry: {"hour": 8, "minute": 38}
